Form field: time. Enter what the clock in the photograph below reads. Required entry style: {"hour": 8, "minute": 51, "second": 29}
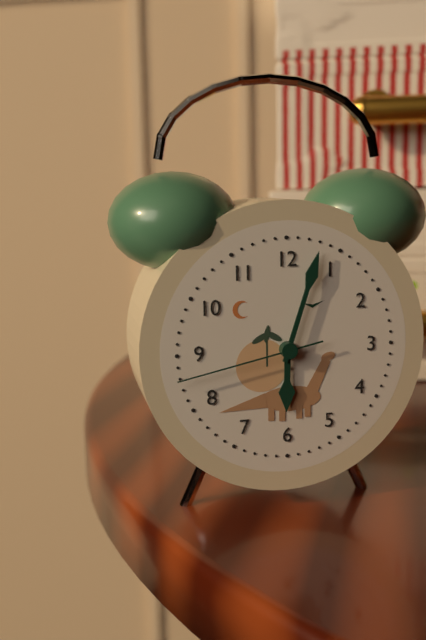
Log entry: {"hour": 6, "minute": 3, "second": 43}
